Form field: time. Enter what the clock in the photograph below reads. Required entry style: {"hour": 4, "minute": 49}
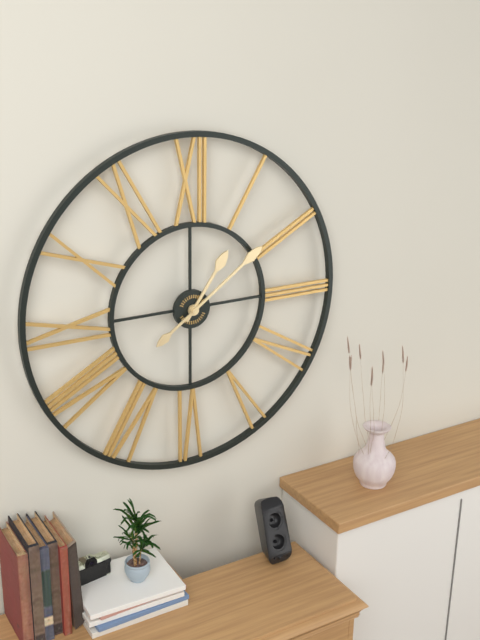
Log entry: {"hour": 1, "minute": 9}
